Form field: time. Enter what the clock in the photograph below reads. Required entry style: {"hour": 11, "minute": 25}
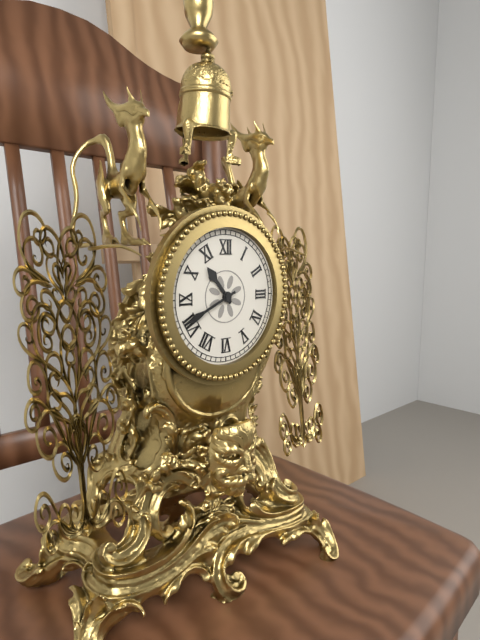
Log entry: {"hour": 10, "minute": 41}
